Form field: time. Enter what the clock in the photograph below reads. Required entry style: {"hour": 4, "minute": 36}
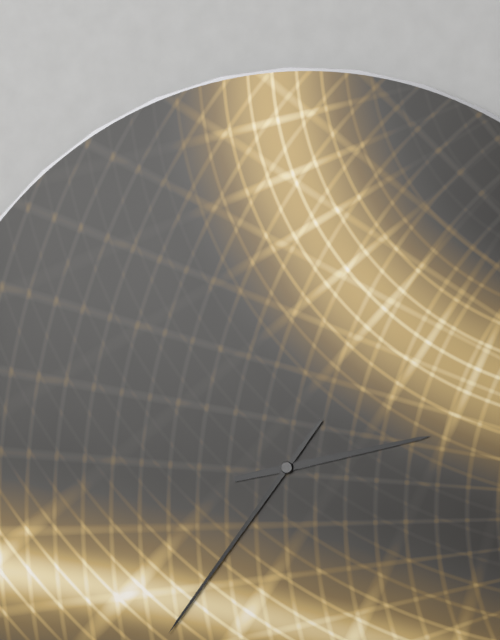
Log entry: {"hour": 2, "minute": 36}
